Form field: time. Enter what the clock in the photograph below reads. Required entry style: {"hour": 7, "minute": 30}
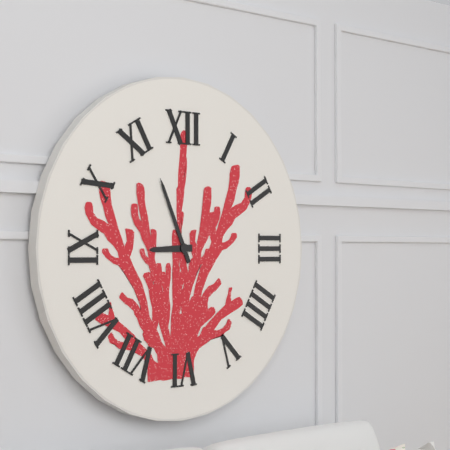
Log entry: {"hour": 8, "minute": 56}
